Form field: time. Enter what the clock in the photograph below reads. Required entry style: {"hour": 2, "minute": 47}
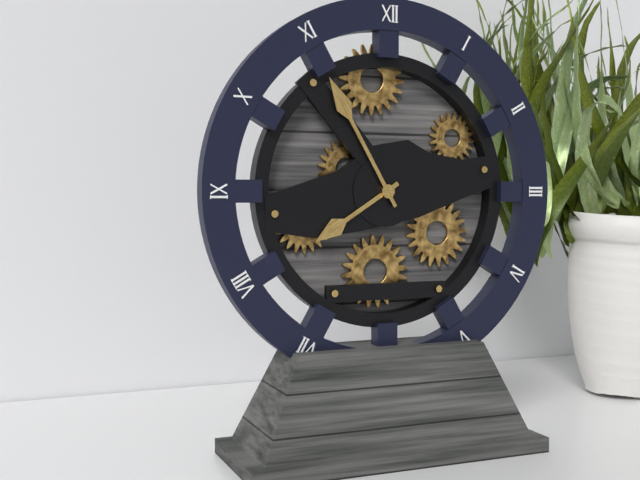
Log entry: {"hour": 7, "minute": 55}
